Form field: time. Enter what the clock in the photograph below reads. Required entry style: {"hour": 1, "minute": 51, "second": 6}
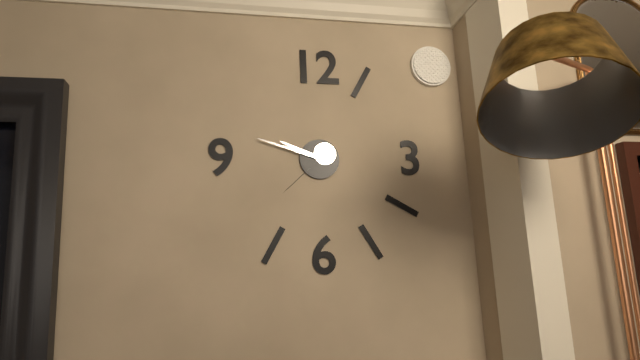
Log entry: {"hour": 9, "minute": 48, "second": 38}
